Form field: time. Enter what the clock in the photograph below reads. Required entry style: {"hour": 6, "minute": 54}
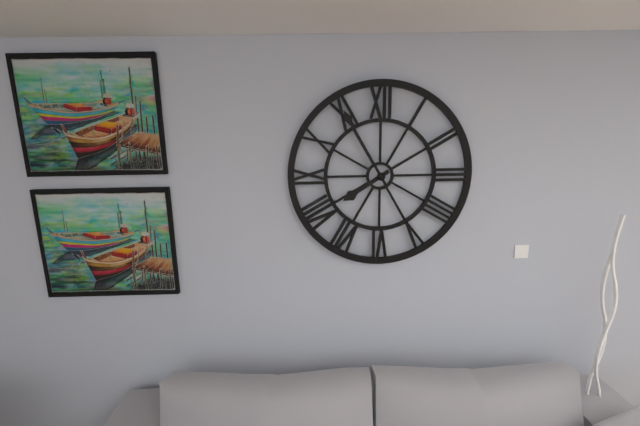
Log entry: {"hour": 7, "minute": 55}
